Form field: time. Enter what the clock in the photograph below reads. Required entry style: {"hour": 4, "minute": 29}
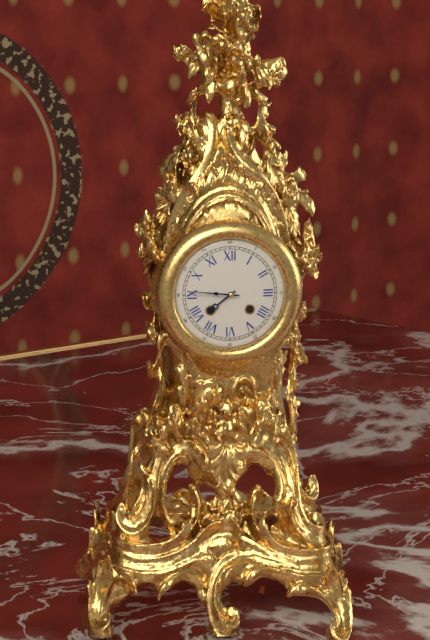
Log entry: {"hour": 7, "minute": 46}
